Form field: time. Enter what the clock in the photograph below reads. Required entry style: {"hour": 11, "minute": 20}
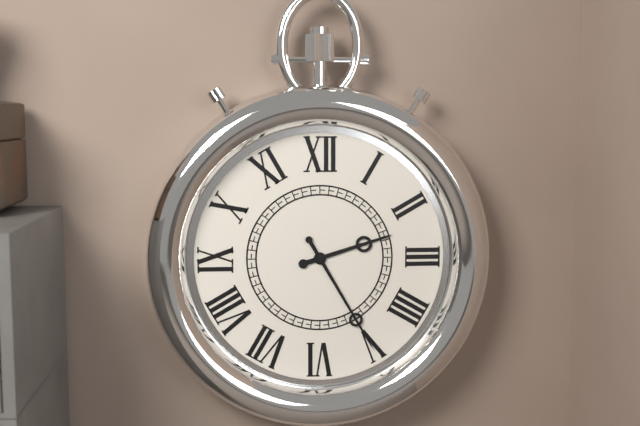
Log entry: {"hour": 2, "minute": 25}
